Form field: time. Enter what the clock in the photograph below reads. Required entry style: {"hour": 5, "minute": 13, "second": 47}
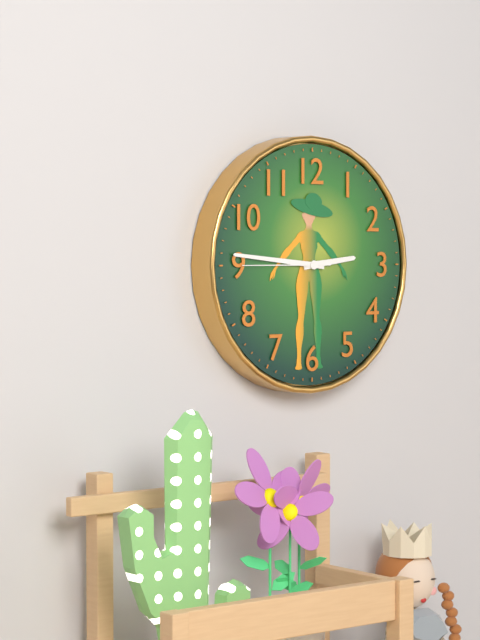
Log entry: {"hour": 2, "minute": 46, "second": 45}
